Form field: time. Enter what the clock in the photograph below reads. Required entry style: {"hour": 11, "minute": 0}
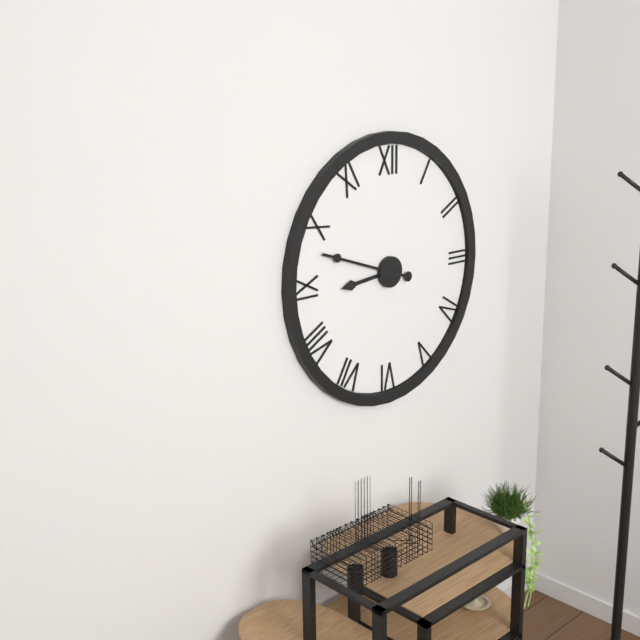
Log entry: {"hour": 8, "minute": 48}
